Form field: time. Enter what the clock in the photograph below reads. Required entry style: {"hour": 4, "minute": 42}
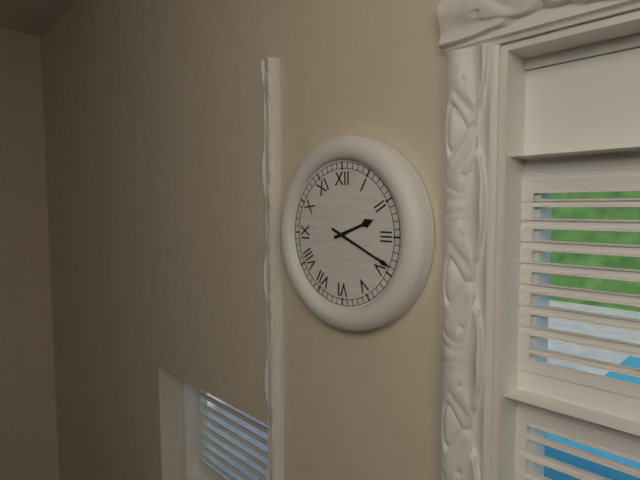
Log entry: {"hour": 2, "minute": 19}
